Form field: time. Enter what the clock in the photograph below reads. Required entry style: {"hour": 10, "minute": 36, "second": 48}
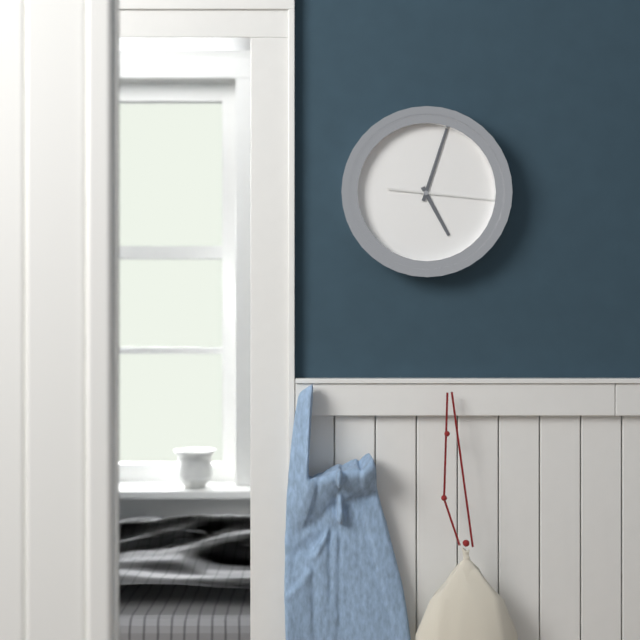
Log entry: {"hour": 5, "minute": 3, "second": 16}
